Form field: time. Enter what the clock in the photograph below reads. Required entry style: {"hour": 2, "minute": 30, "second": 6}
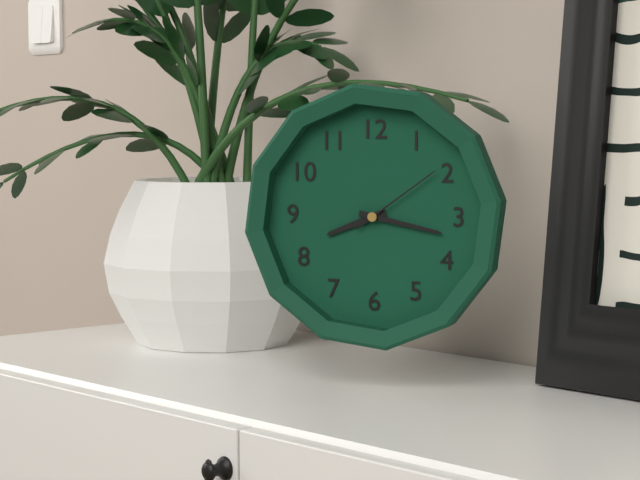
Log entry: {"hour": 8, "minute": 17, "second": 9}
